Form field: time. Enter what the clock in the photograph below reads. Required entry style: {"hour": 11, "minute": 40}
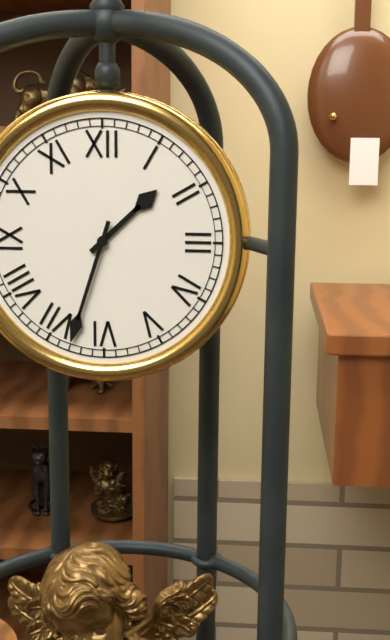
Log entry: {"hour": 1, "minute": 33}
